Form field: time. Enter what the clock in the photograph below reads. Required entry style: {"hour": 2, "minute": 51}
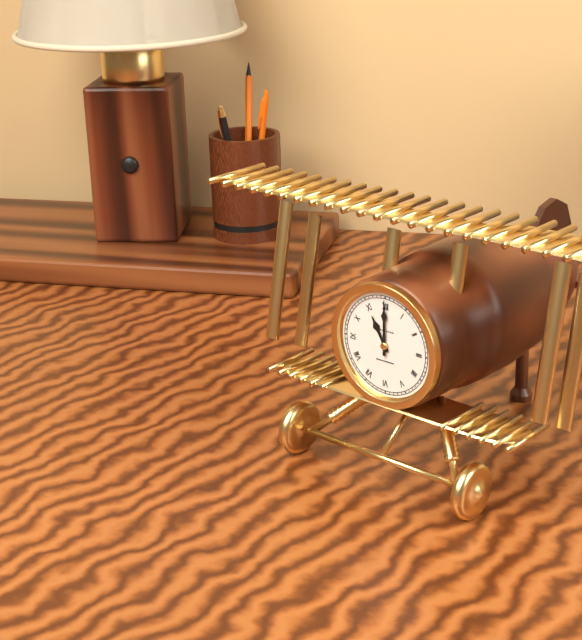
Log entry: {"hour": 11, "minute": 0}
